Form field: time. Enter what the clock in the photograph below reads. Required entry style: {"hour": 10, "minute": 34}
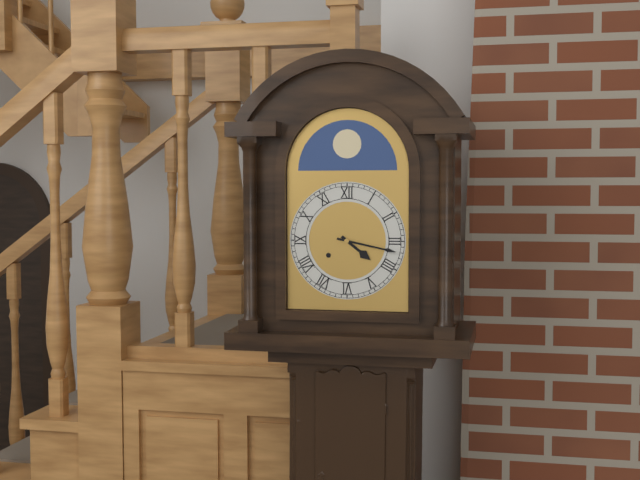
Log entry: {"hour": 4, "minute": 17}
